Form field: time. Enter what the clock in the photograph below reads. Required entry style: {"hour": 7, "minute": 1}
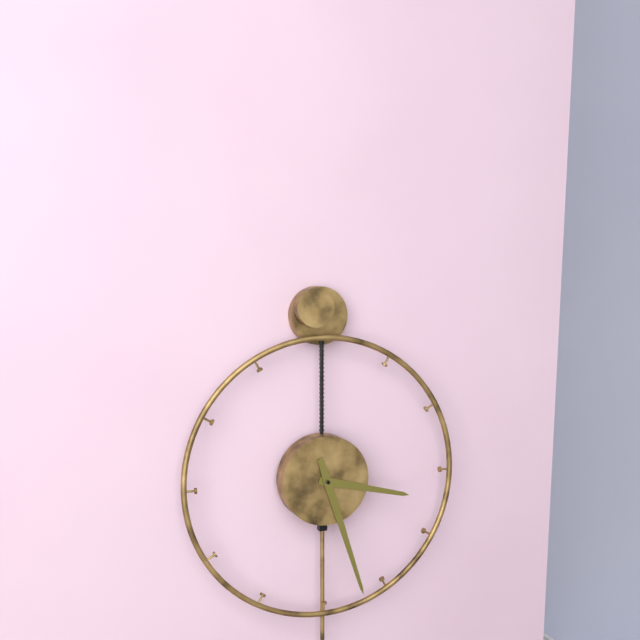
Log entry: {"hour": 3, "minute": 27}
